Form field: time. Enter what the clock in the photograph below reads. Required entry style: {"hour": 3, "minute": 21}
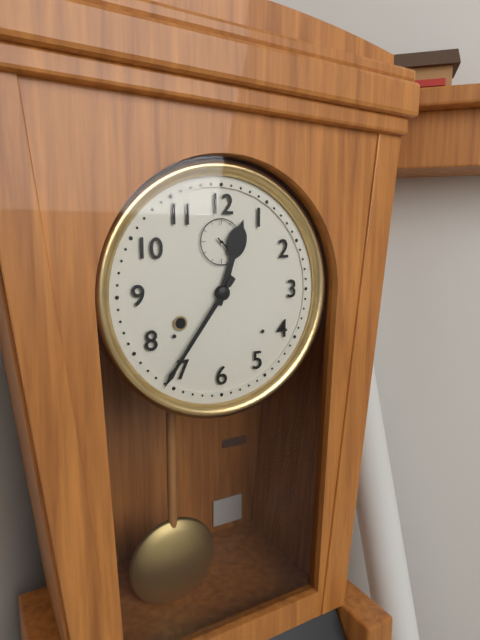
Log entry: {"hour": 12, "minute": 36}
